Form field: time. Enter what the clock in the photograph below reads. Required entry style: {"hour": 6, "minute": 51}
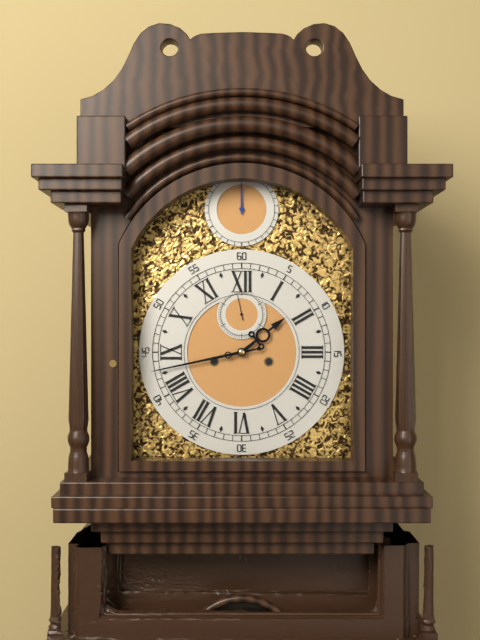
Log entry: {"hour": 1, "minute": 43}
